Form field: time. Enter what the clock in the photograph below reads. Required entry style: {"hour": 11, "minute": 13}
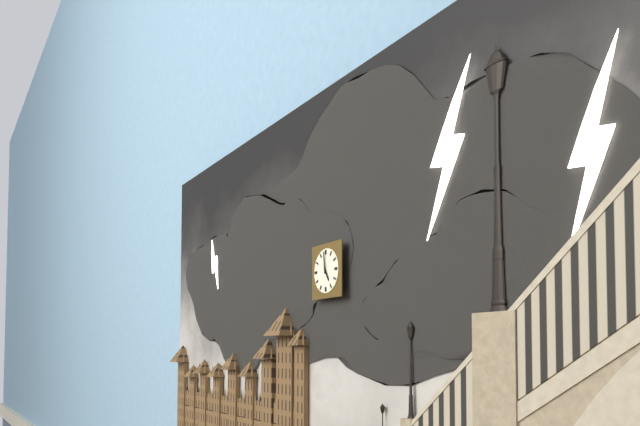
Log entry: {"hour": 4, "minute": 59}
